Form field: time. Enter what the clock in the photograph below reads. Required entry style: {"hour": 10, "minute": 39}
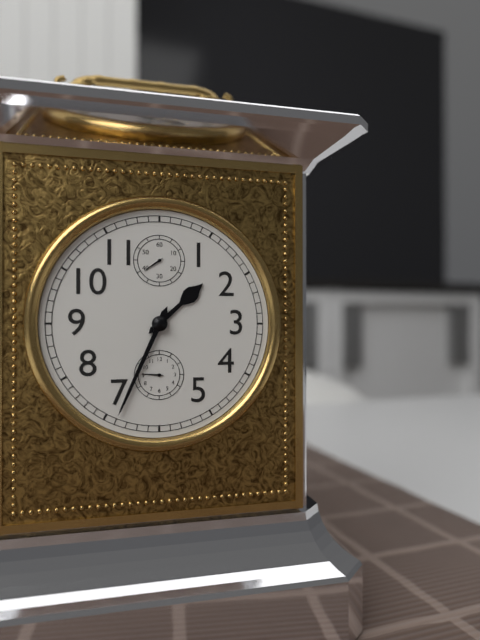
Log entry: {"hour": 1, "minute": 34}
